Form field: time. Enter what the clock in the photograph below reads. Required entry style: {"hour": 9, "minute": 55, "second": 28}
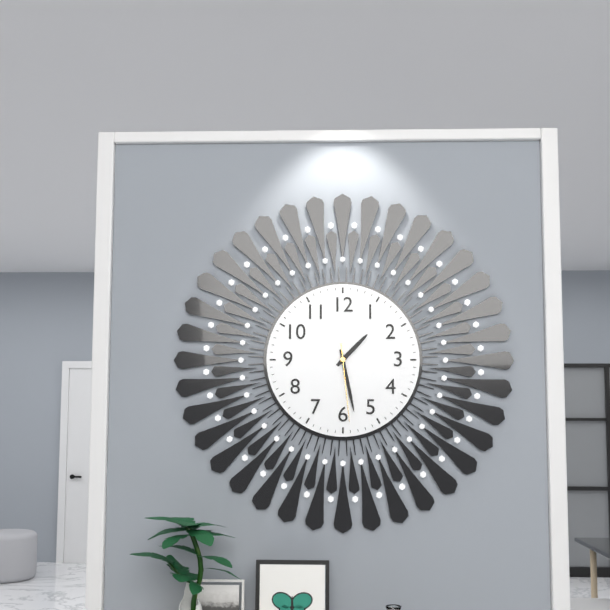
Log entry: {"hour": 1, "minute": 28, "second": 29}
